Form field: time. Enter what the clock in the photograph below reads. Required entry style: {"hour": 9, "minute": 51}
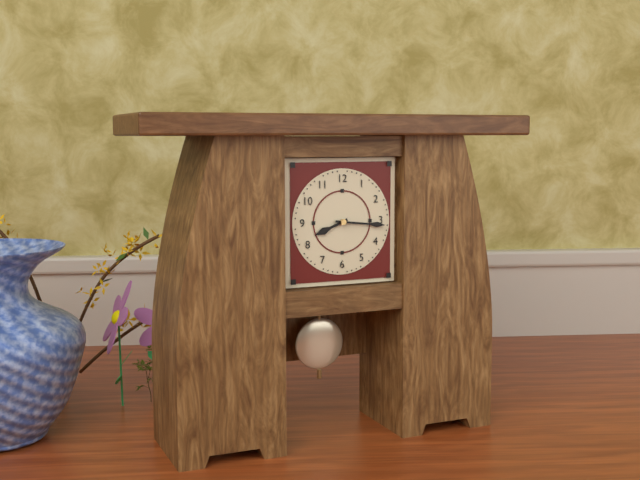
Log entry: {"hour": 8, "minute": 16}
